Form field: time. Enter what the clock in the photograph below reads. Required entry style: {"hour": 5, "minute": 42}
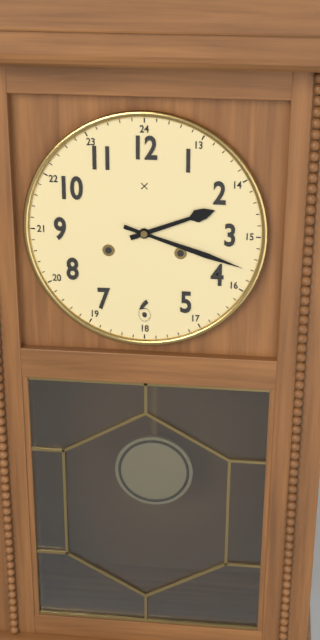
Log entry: {"hour": 2, "minute": 18}
